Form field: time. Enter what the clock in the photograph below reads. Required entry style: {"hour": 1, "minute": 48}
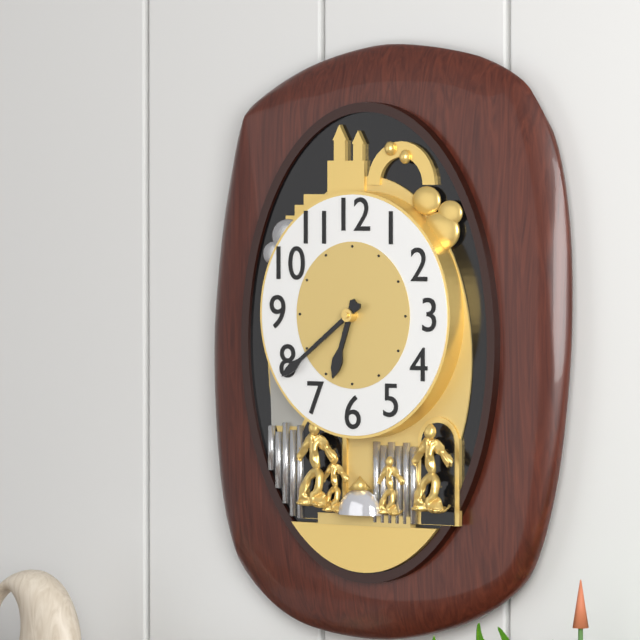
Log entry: {"hour": 6, "minute": 39}
